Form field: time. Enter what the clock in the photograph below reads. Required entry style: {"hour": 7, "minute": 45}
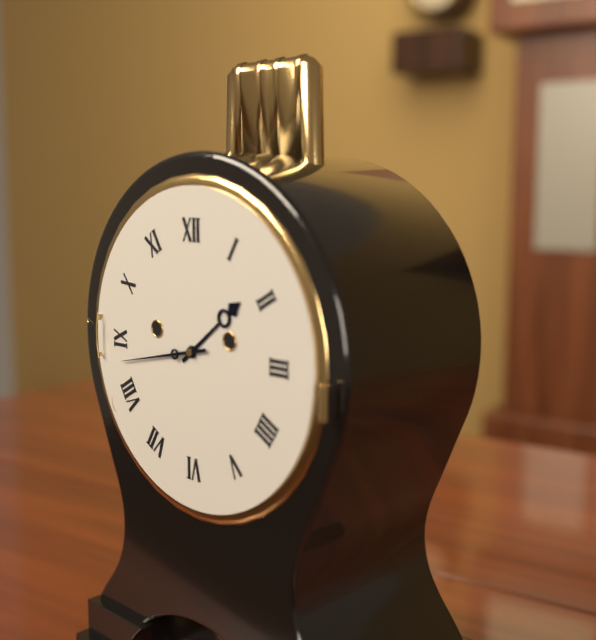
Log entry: {"hour": 1, "minute": 43}
